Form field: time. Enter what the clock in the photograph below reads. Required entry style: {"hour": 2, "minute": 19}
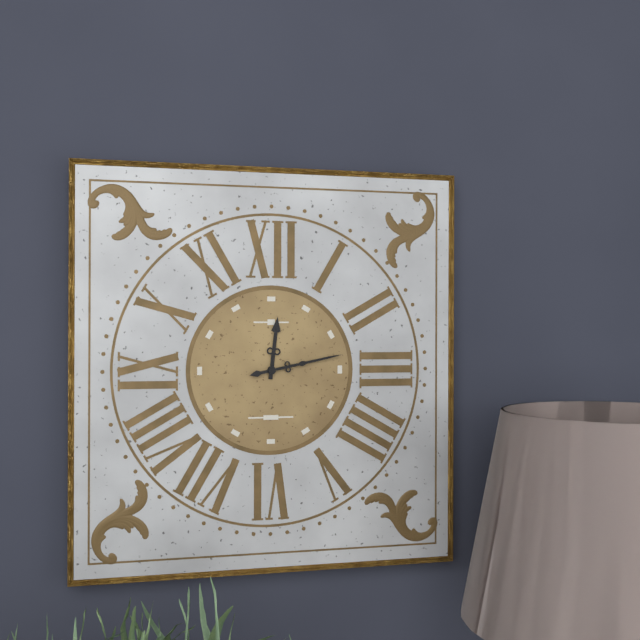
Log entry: {"hour": 12, "minute": 13}
